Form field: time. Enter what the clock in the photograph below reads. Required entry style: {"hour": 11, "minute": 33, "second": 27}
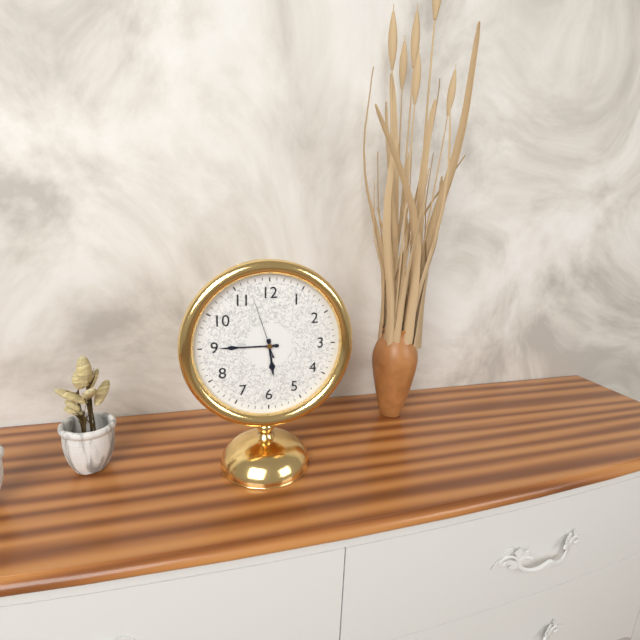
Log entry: {"hour": 5, "minute": 45, "second": 57}
